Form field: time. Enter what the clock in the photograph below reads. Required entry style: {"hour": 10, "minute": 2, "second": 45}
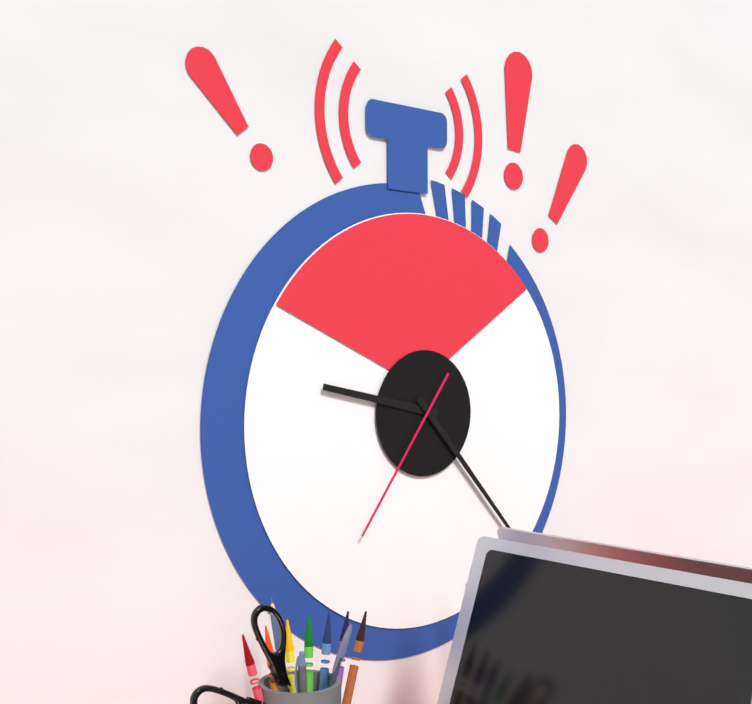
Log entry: {"hour": 9, "minute": 23, "second": 36}
